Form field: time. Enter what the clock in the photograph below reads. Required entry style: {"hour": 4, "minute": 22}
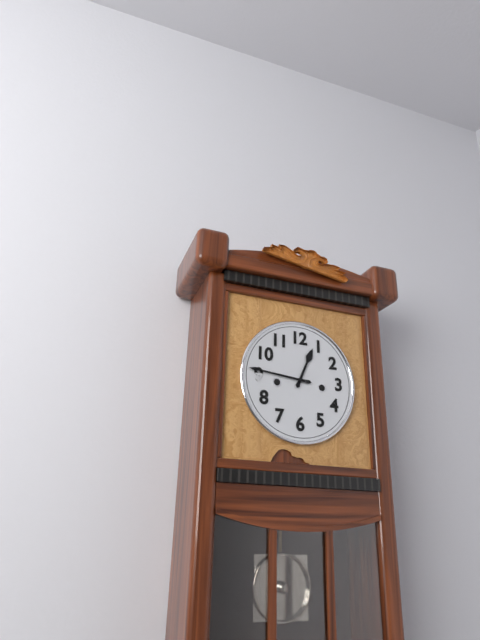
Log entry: {"hour": 12, "minute": 46}
